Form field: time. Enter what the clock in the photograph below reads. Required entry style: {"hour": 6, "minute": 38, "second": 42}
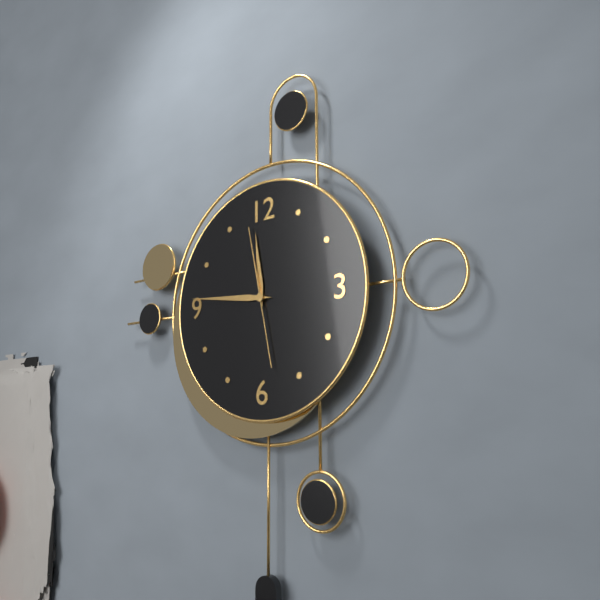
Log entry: {"hour": 11, "minute": 46, "second": 58}
